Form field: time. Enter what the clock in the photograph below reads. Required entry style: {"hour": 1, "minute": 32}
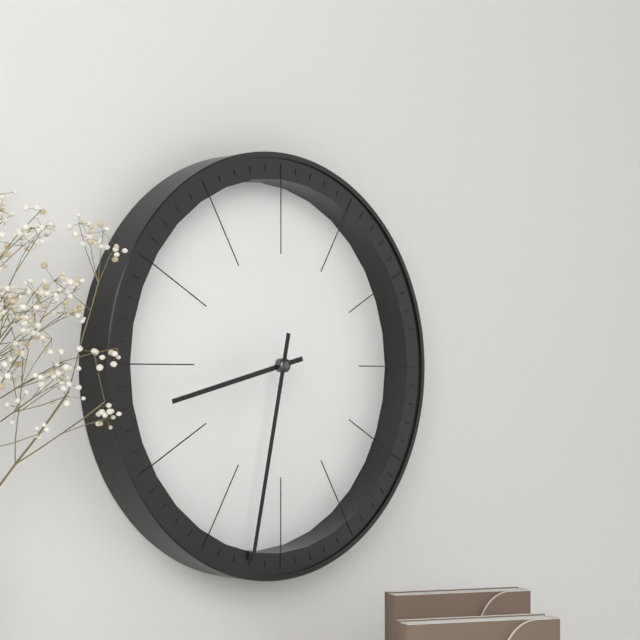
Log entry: {"hour": 8, "minute": 32}
